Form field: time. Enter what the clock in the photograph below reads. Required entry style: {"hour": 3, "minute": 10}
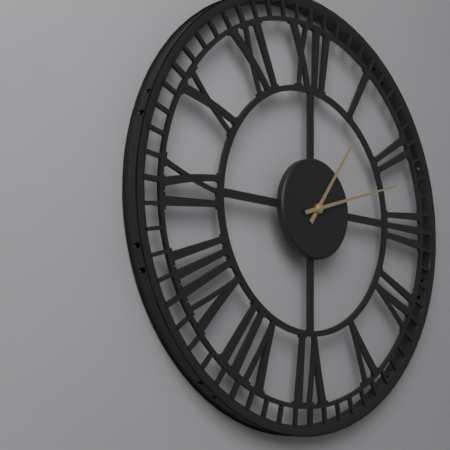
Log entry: {"hour": 1, "minute": 12}
